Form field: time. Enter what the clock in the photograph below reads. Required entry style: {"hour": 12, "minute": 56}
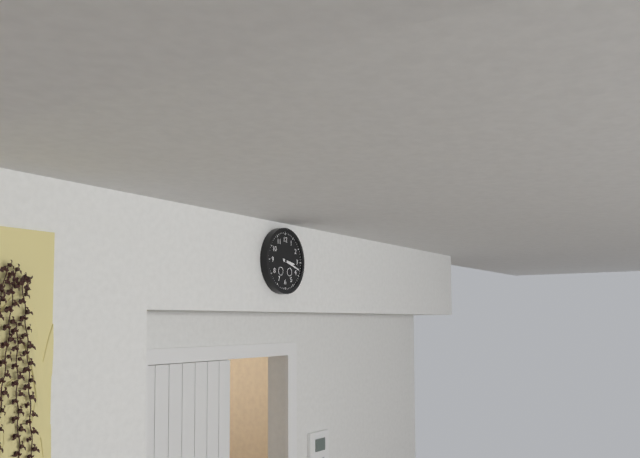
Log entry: {"hour": 3, "minute": 18}
